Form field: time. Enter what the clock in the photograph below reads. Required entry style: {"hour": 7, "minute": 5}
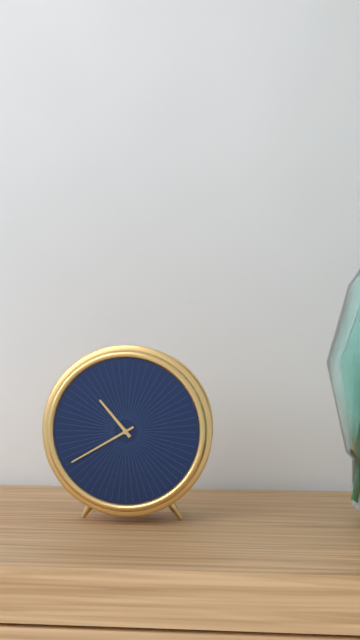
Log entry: {"hour": 10, "minute": 40}
